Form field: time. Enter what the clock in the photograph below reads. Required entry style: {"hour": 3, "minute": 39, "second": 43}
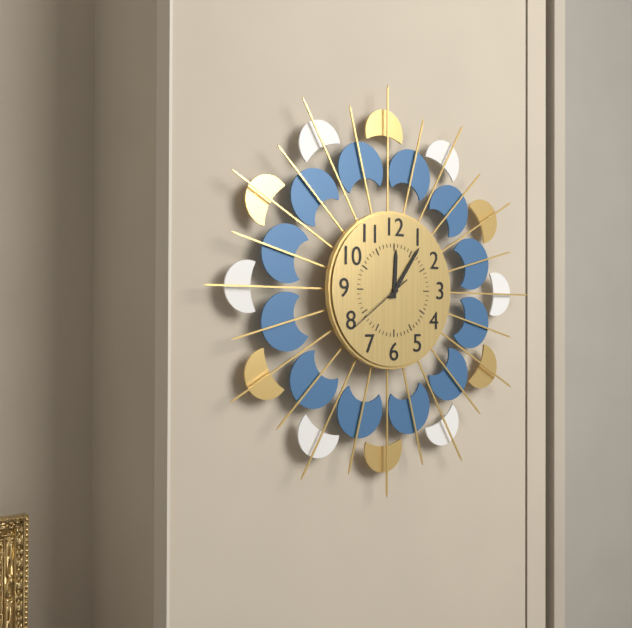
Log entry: {"hour": 12, "minute": 6, "second": 39}
